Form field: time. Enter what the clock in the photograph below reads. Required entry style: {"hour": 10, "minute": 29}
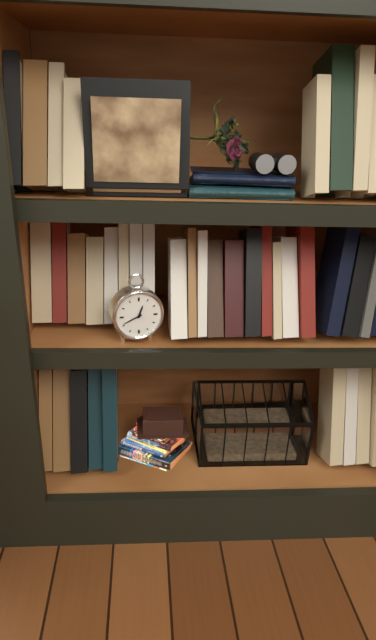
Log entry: {"hour": 12, "minute": 41}
